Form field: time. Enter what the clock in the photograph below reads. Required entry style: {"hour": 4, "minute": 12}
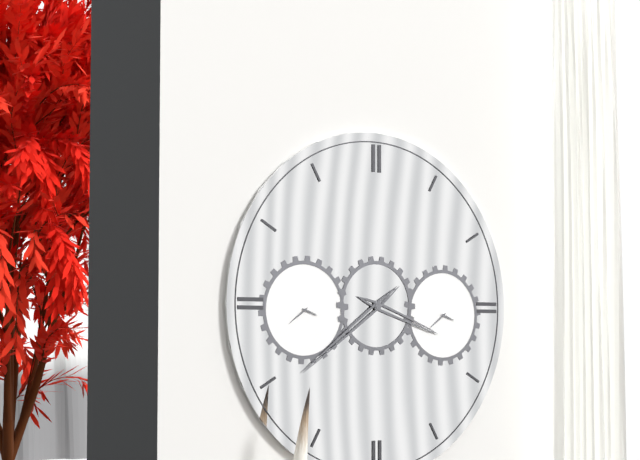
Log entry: {"hour": 3, "minute": 39}
